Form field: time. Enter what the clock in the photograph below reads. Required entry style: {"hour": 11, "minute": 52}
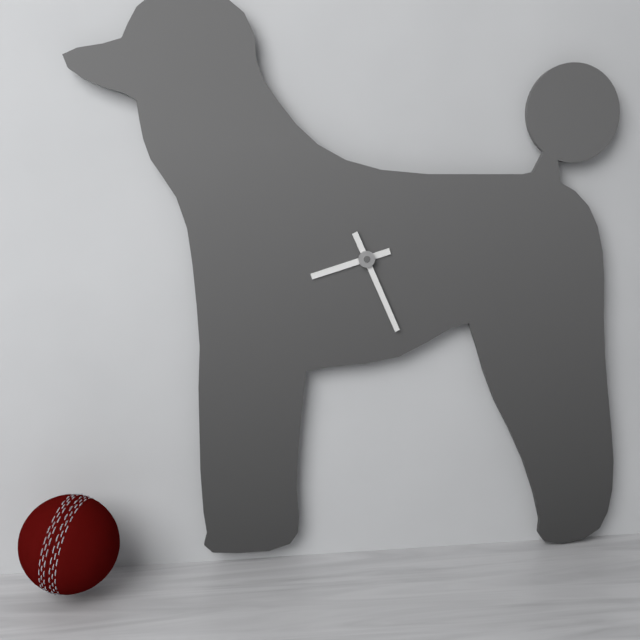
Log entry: {"hour": 8, "minute": 26}
